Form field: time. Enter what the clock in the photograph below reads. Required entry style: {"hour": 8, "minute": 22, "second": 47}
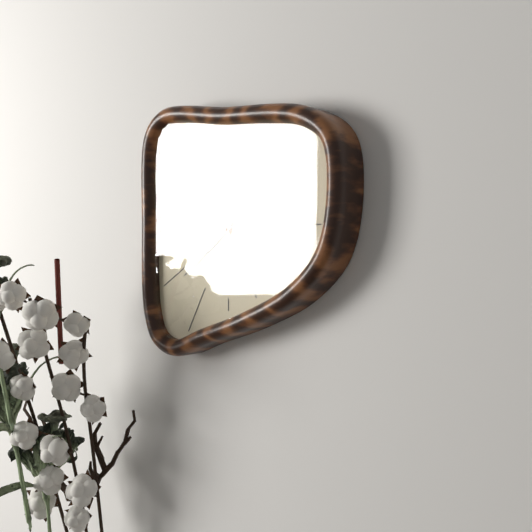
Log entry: {"hour": 9, "minute": 39, "second": 54}
